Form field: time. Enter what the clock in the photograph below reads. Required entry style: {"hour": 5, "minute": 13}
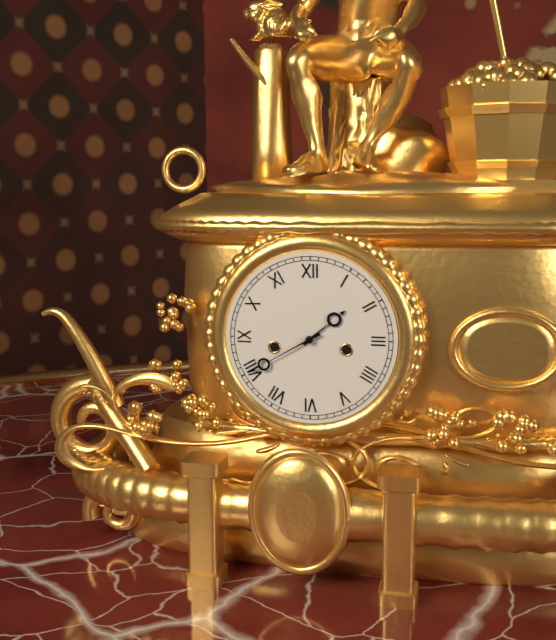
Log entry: {"hour": 1, "minute": 40}
